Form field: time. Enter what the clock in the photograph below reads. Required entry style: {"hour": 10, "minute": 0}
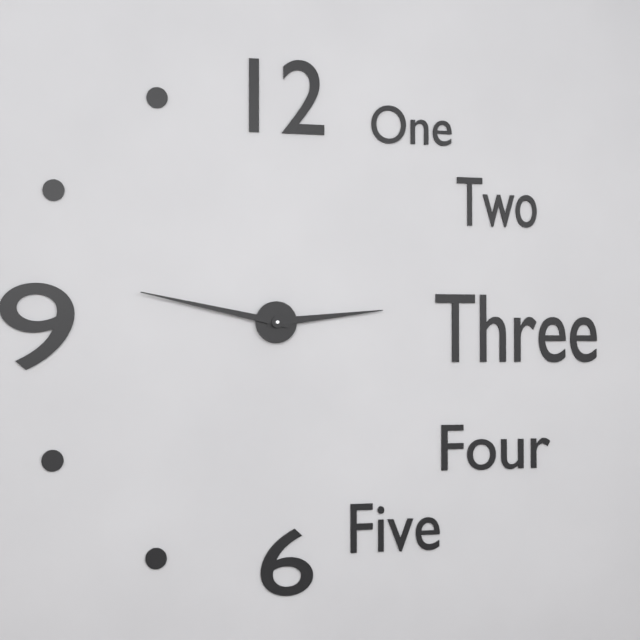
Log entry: {"hour": 2, "minute": 47}
